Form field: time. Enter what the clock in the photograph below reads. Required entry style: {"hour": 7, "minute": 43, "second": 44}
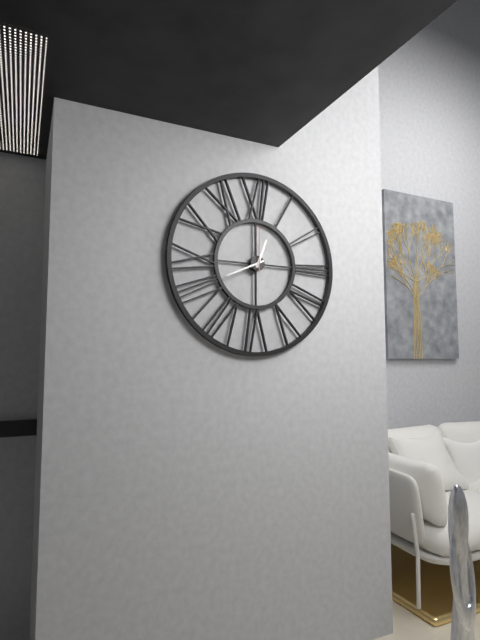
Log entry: {"hour": 12, "minute": 41, "second": 0}
